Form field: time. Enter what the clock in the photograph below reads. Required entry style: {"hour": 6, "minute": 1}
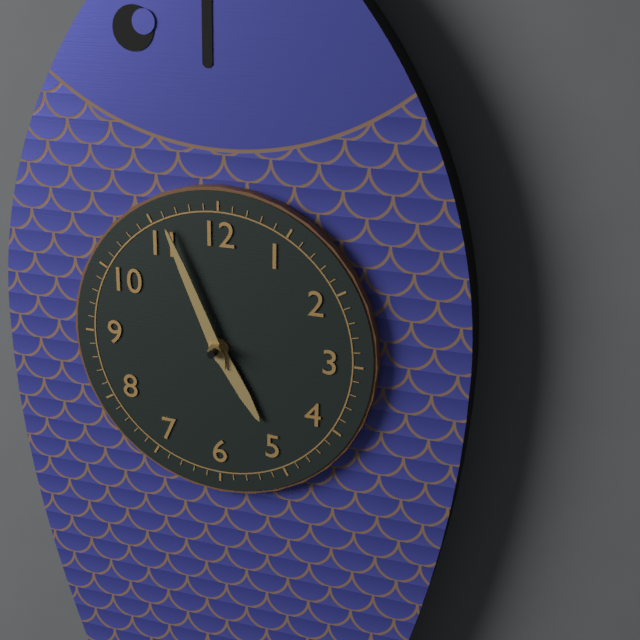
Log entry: {"hour": 4, "minute": 56}
